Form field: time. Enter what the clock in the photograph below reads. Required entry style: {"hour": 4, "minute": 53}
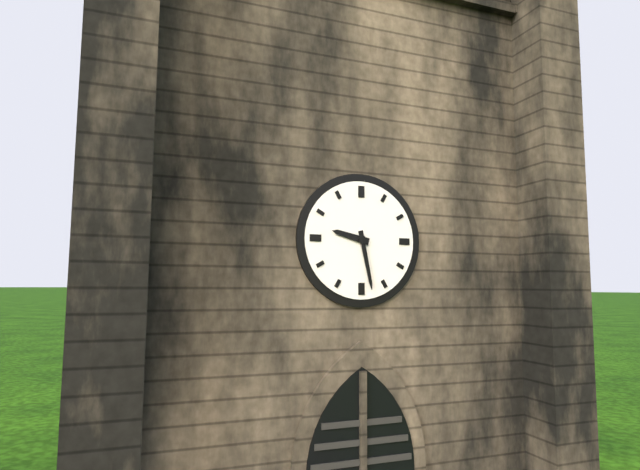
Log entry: {"hour": 9, "minute": 28}
